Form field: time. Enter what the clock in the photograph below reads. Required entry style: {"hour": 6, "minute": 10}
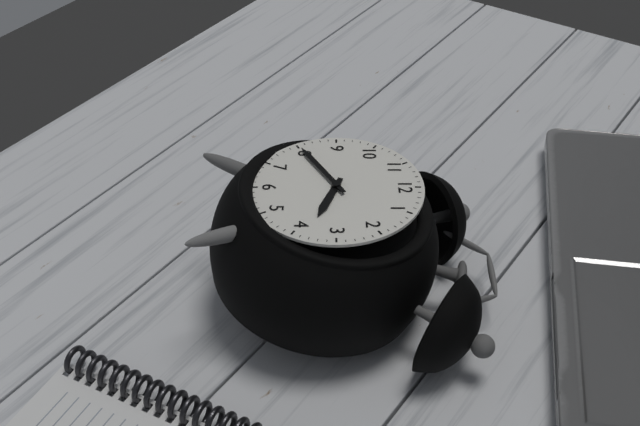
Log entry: {"hour": 3, "minute": 40}
